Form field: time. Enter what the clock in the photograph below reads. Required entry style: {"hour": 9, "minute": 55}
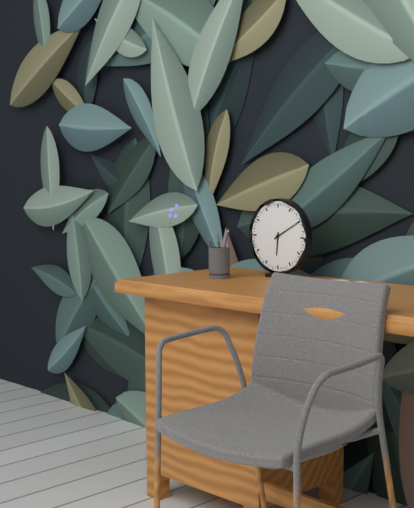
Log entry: {"hour": 6, "minute": 10}
